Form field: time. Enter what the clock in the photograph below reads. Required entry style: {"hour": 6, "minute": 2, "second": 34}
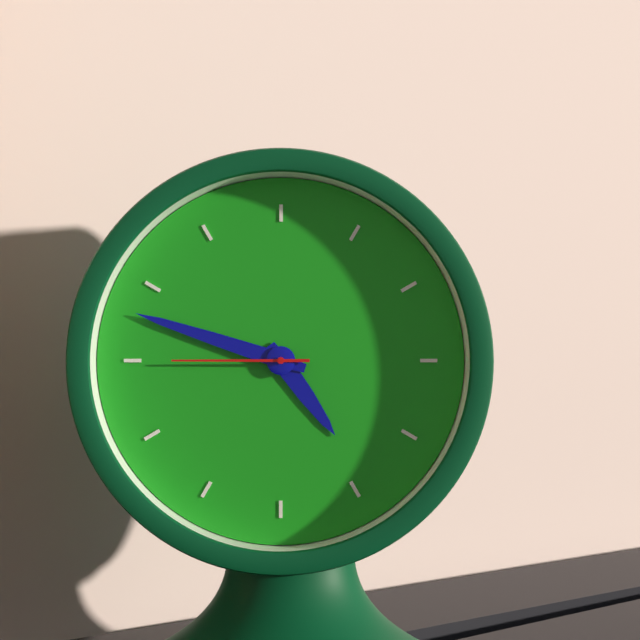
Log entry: {"hour": 4, "minute": 48, "second": 45}
